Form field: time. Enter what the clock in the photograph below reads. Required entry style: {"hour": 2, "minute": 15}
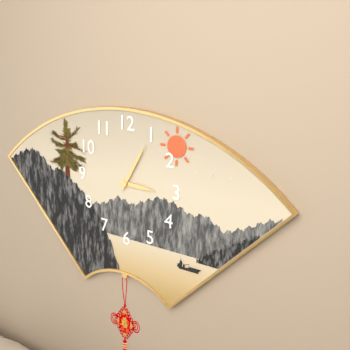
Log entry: {"hour": 3, "minute": 5}
